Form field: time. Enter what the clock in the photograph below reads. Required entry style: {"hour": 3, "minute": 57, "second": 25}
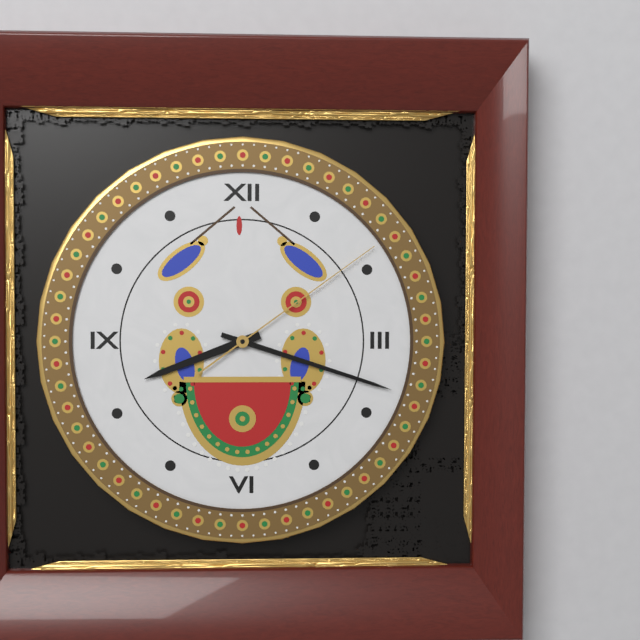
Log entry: {"hour": 8, "minute": 18, "second": 9}
